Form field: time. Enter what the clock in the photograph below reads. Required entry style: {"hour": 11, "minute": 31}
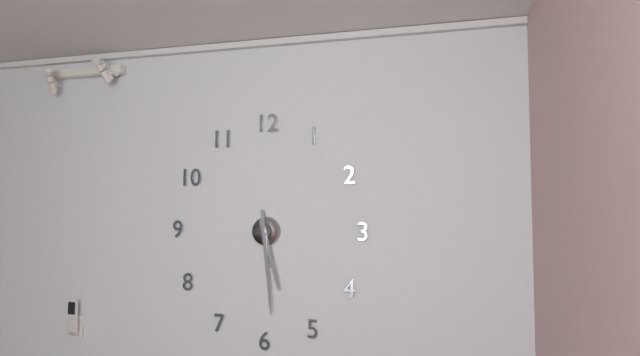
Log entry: {"hour": 5, "minute": 29}
